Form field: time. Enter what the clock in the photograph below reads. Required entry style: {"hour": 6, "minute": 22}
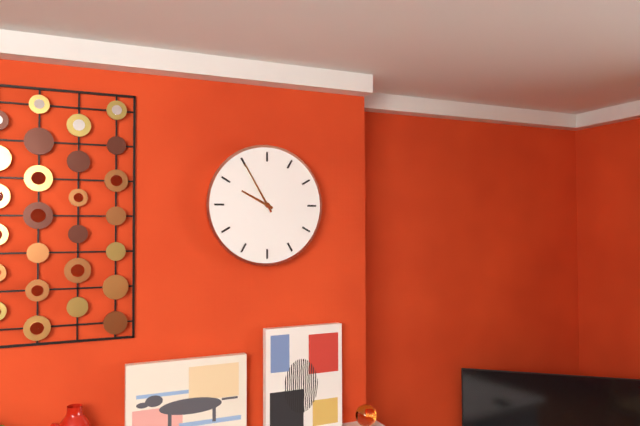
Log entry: {"hour": 9, "minute": 55}
